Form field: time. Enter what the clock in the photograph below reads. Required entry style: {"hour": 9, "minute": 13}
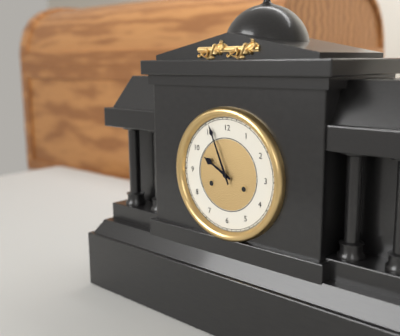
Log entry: {"hour": 9, "minute": 56}
